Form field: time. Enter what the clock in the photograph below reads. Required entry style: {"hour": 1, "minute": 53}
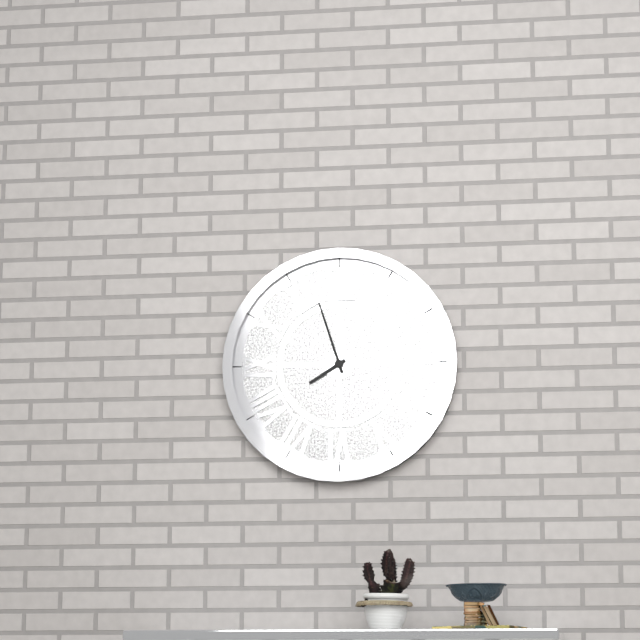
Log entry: {"hour": 7, "minute": 57}
